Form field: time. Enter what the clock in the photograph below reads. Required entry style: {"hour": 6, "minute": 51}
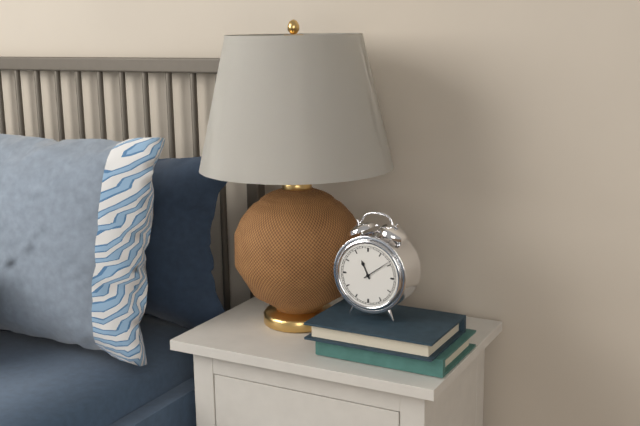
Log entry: {"hour": 11, "minute": 9}
